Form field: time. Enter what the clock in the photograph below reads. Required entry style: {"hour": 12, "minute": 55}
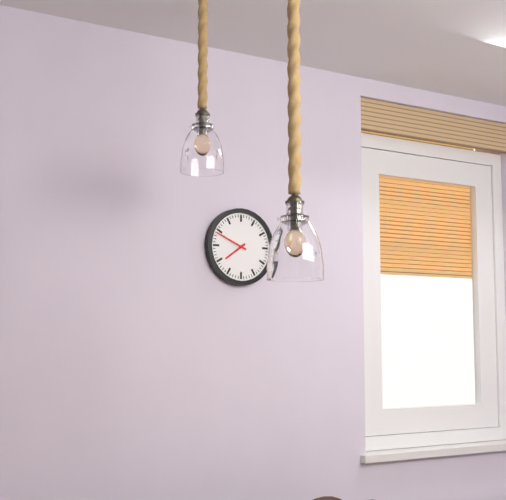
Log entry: {"hour": 7, "minute": 49}
